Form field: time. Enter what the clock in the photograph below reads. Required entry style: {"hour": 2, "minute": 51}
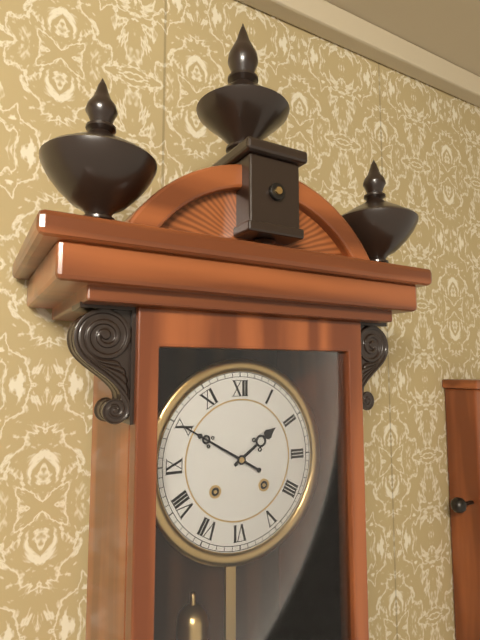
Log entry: {"hour": 1, "minute": 50}
